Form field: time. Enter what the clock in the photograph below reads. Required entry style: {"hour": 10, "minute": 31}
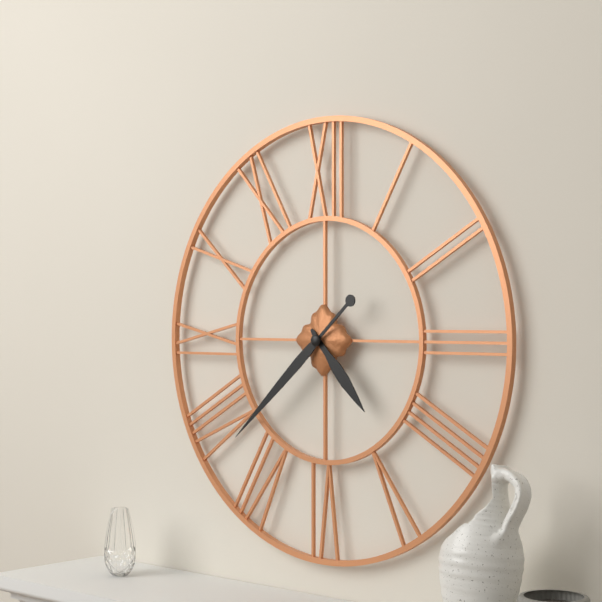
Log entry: {"hour": 4, "minute": 38}
